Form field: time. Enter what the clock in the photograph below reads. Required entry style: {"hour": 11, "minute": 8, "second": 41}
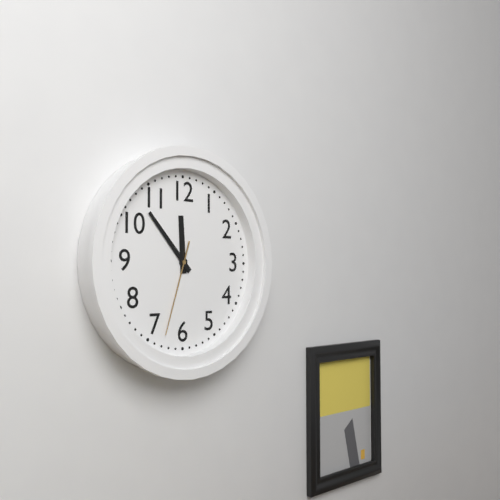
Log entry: {"hour": 11, "minute": 53, "second": 33}
